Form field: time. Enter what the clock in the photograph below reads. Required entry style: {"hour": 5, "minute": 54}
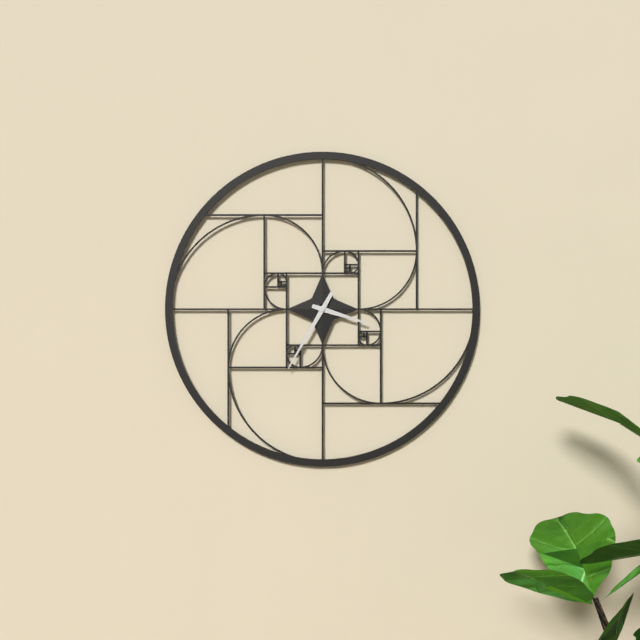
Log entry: {"hour": 3, "minute": 35}
